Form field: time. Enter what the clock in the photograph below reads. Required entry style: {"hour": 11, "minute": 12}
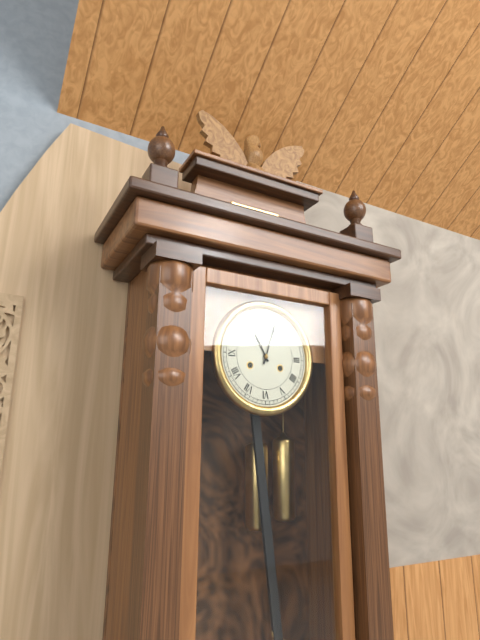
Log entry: {"hour": 11, "minute": 3}
